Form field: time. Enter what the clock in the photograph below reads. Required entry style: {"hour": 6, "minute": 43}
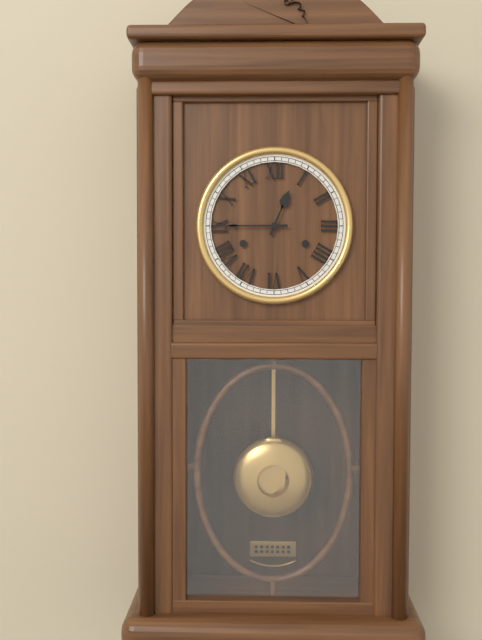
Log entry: {"hour": 12, "minute": 45}
